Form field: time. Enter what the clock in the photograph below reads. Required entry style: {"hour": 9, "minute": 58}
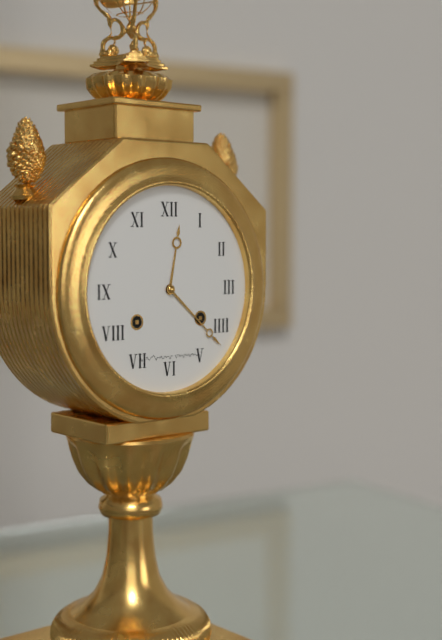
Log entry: {"hour": 12, "minute": 22}
